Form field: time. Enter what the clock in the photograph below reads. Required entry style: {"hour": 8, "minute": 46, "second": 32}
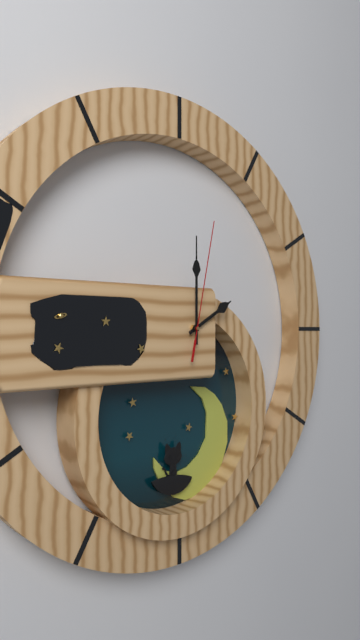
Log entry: {"hour": 2, "minute": 0, "second": 2}
